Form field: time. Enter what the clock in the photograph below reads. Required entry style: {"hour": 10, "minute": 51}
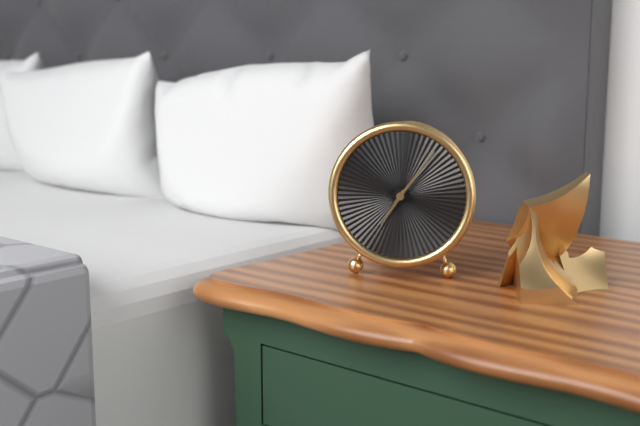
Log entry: {"hour": 7, "minute": 6}
